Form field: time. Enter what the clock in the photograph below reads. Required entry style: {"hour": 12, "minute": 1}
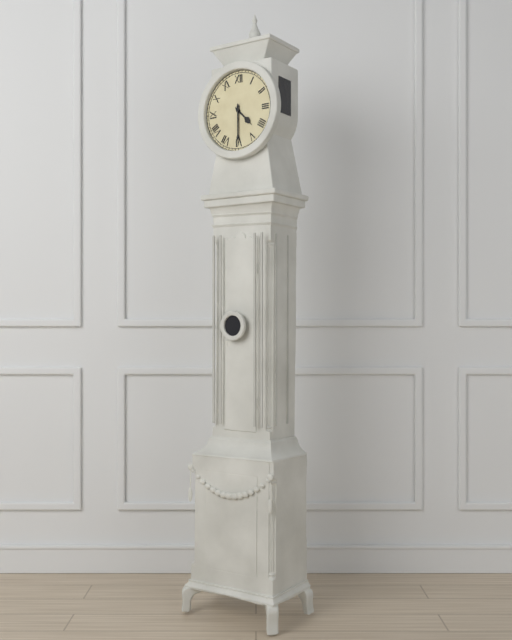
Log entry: {"hour": 4, "minute": 30}
